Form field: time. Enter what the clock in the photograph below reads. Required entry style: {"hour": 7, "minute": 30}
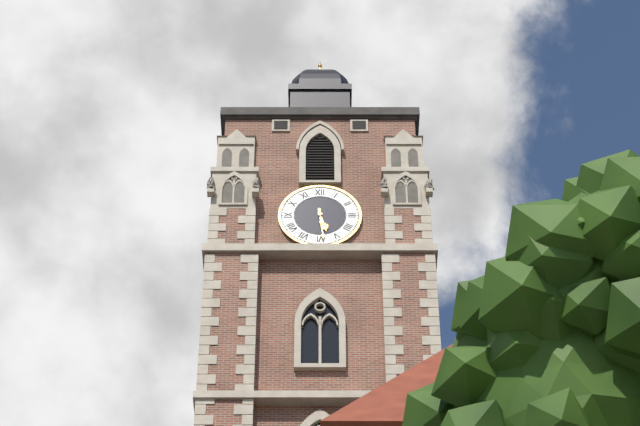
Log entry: {"hour": 5, "minute": 29}
